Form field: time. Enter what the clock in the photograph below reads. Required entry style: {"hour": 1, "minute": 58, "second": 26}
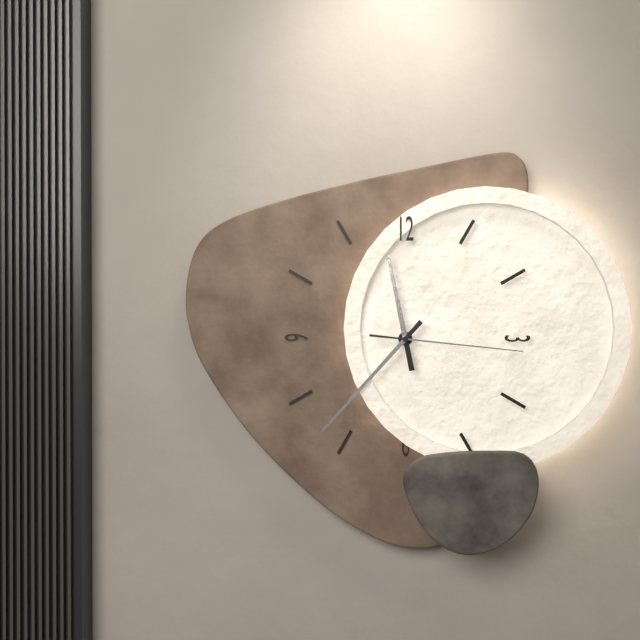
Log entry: {"hour": 11, "minute": 37, "second": 16}
